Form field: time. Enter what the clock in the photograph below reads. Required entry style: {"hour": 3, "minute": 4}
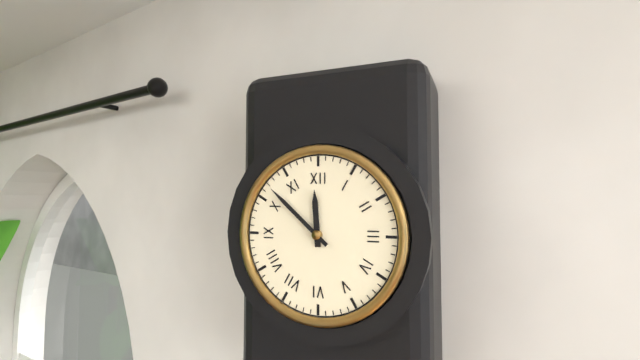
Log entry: {"hour": 11, "minute": 52}
